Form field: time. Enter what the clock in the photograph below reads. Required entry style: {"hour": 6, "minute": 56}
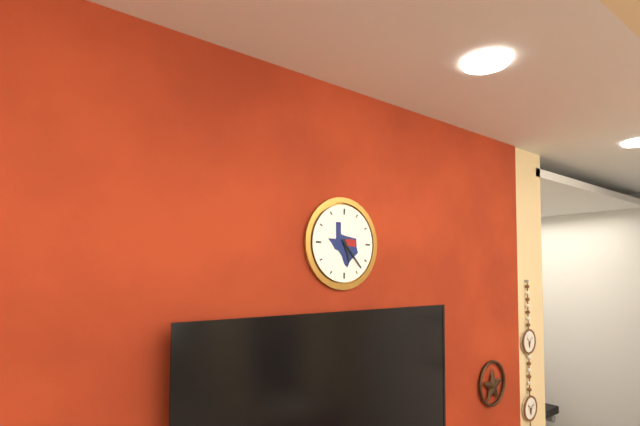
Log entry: {"hour": 5, "minute": 23}
